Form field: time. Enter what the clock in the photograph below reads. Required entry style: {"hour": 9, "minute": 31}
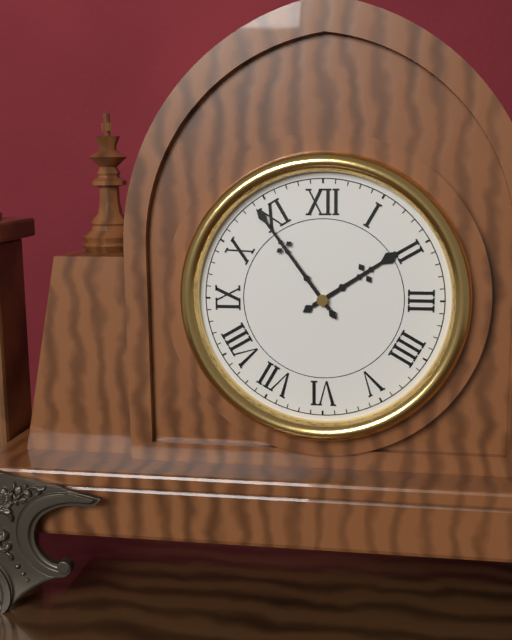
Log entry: {"hour": 1, "minute": 54}
